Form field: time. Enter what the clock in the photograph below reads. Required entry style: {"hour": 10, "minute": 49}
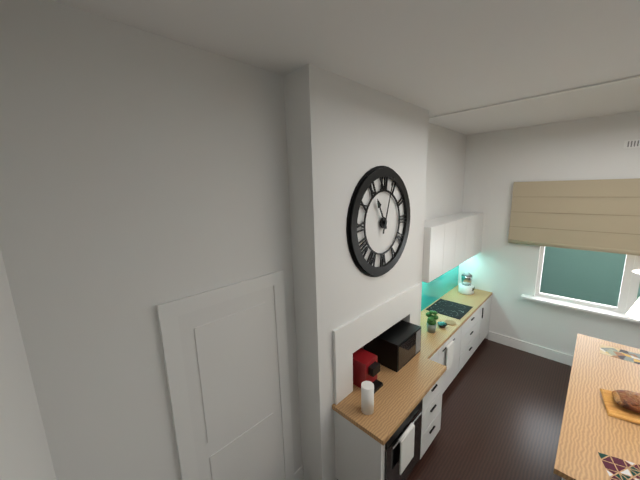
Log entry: {"hour": 11, "minute": 3}
